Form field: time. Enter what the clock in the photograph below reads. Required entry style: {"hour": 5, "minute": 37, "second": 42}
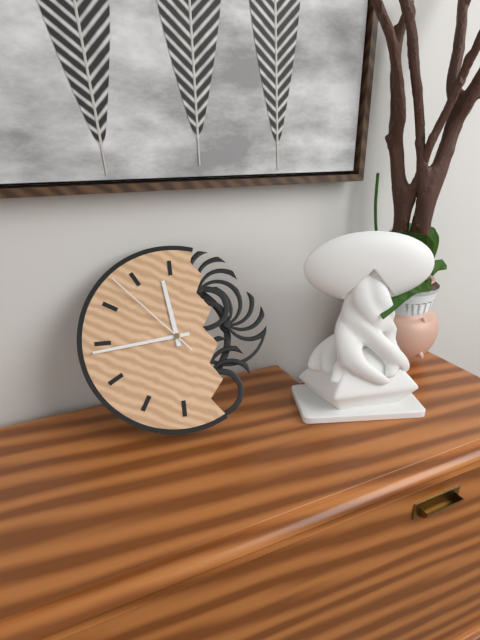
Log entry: {"hour": 11, "minute": 44, "second": 53}
